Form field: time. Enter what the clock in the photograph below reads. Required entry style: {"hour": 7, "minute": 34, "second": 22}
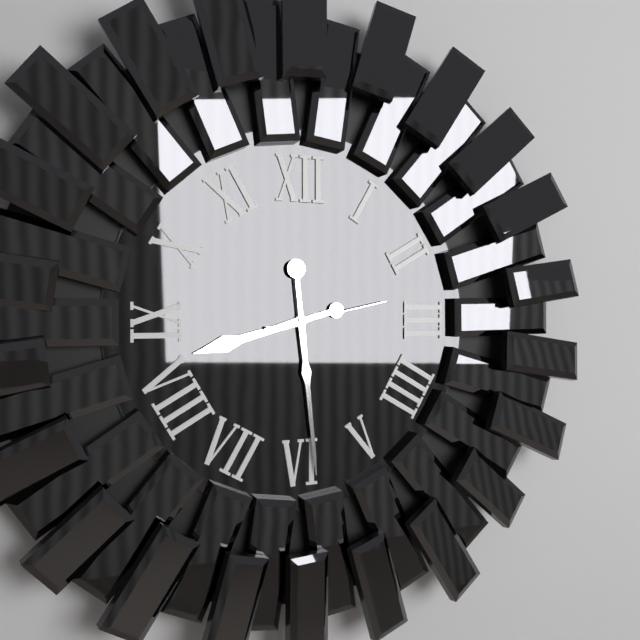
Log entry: {"hour": 8, "minute": 29, "second": 13}
